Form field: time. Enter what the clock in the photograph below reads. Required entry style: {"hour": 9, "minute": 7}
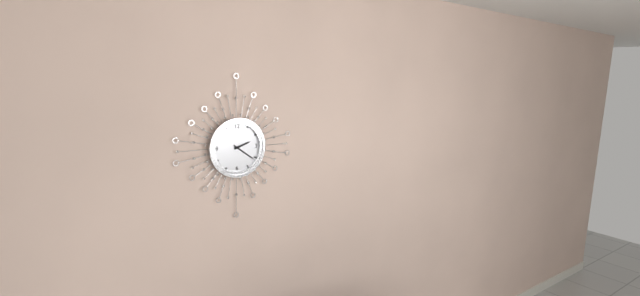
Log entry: {"hour": 2, "minute": 21}
